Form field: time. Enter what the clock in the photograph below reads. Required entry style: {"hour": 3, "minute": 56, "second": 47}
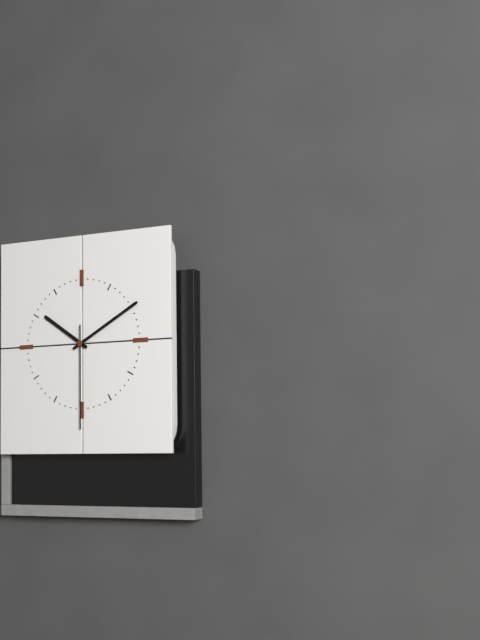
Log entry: {"hour": 10, "minute": 10, "second": 30}
